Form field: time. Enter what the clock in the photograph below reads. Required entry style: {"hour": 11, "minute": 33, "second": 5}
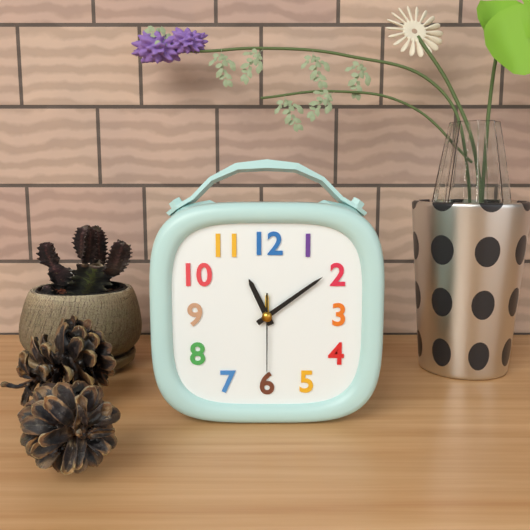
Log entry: {"hour": 11, "minute": 9, "second": 30}
